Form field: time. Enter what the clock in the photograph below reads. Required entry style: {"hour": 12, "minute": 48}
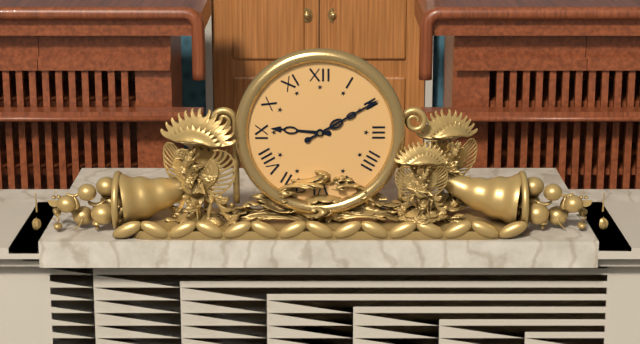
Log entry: {"hour": 9, "minute": 10}
